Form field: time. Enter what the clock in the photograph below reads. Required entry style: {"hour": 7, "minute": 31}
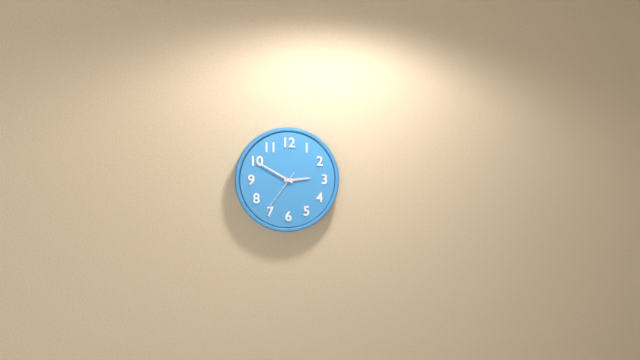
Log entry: {"hour": 2, "minute": 50}
